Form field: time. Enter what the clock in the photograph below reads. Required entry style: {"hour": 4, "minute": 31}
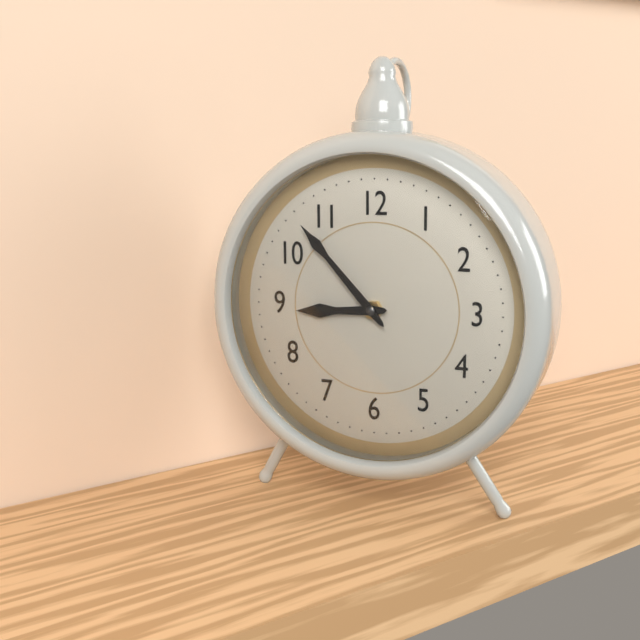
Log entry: {"hour": 8, "minute": 53}
